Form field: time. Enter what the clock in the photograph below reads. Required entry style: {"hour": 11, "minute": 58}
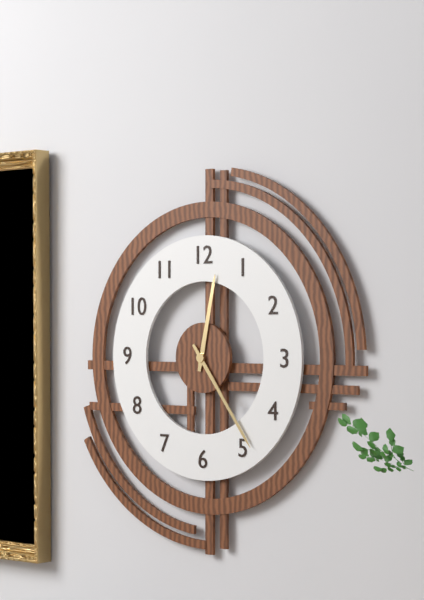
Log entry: {"hour": 12, "minute": 24}
